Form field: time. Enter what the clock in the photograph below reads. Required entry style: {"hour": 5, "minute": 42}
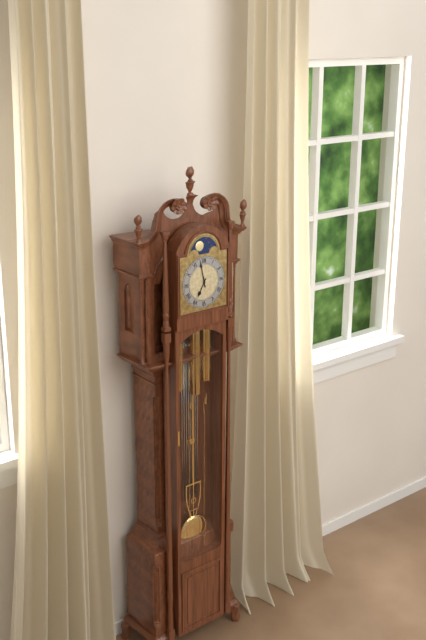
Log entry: {"hour": 6, "minute": 58}
